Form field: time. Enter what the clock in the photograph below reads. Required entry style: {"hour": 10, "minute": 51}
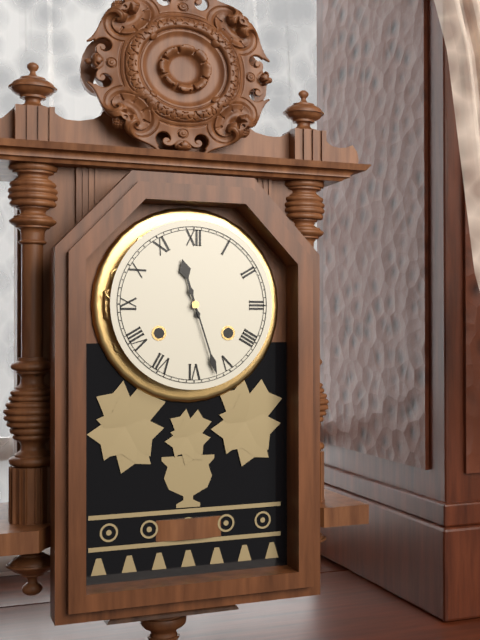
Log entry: {"hour": 11, "minute": 27}
